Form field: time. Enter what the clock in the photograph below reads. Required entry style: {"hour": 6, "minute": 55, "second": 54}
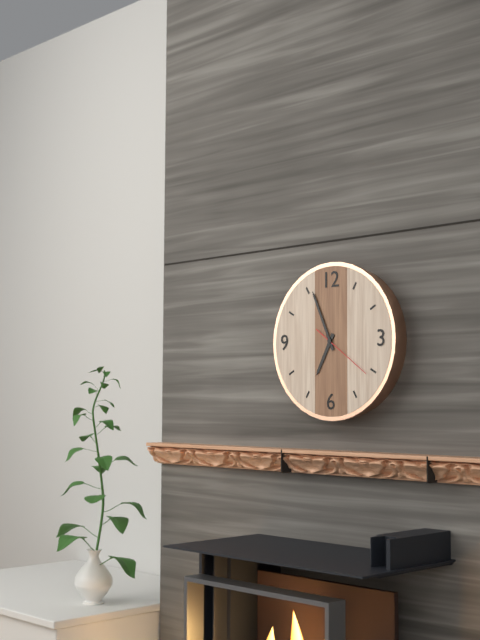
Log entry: {"hour": 6, "minute": 56, "second": 21}
